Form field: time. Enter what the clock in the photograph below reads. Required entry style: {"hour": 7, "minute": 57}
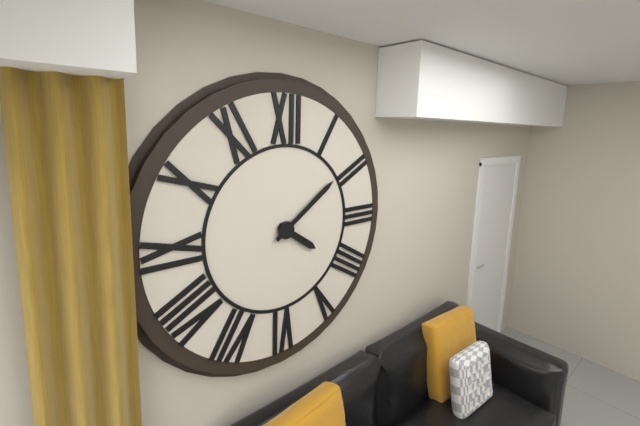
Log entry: {"hour": 4, "minute": 9}
